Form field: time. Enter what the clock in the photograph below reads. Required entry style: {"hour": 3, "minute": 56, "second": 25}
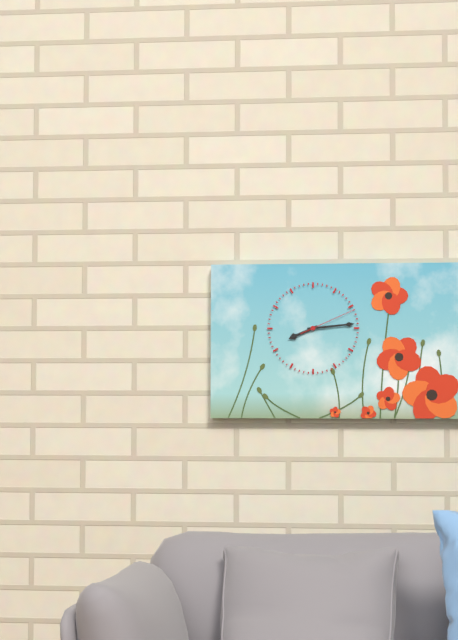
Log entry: {"hour": 8, "minute": 14, "second": 11}
